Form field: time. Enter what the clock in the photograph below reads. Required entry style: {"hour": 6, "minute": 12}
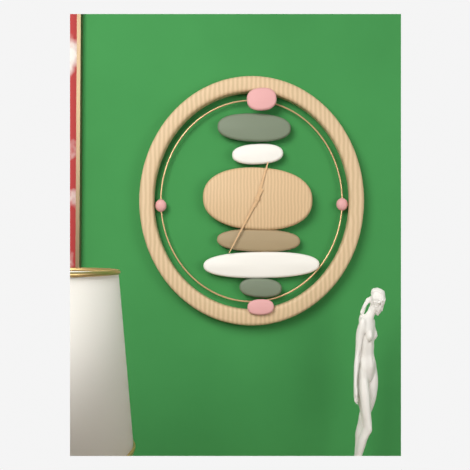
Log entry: {"hour": 12, "minute": 35}
